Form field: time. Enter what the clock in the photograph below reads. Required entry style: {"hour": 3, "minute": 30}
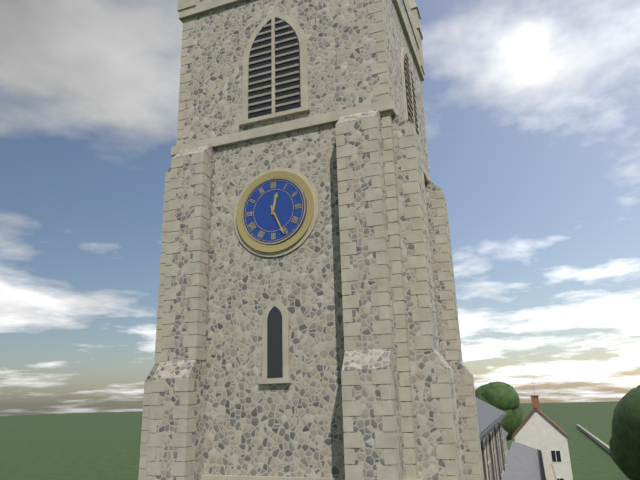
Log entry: {"hour": 12, "minute": 26}
